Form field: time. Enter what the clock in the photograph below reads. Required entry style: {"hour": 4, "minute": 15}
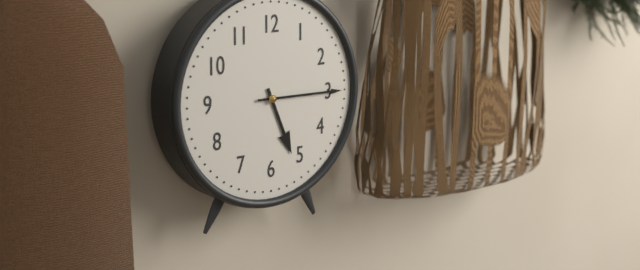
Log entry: {"hour": 5, "minute": 15}
